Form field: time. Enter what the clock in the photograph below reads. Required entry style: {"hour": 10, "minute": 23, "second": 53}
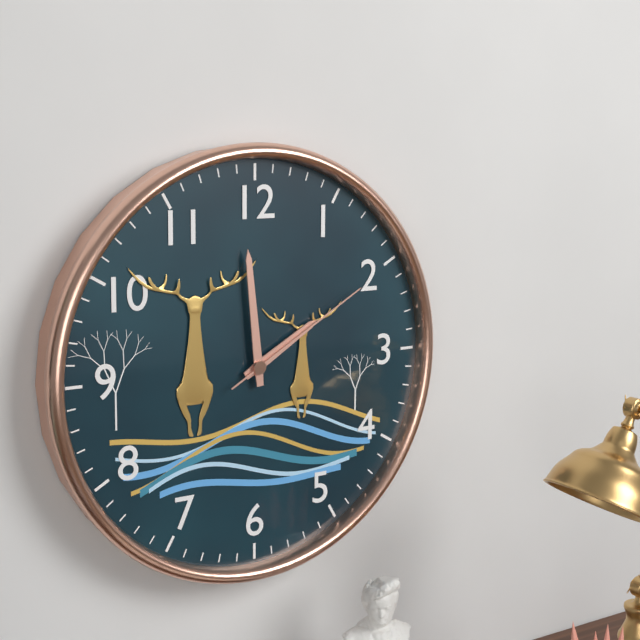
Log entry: {"hour": 1, "minute": 59, "second": 10}
